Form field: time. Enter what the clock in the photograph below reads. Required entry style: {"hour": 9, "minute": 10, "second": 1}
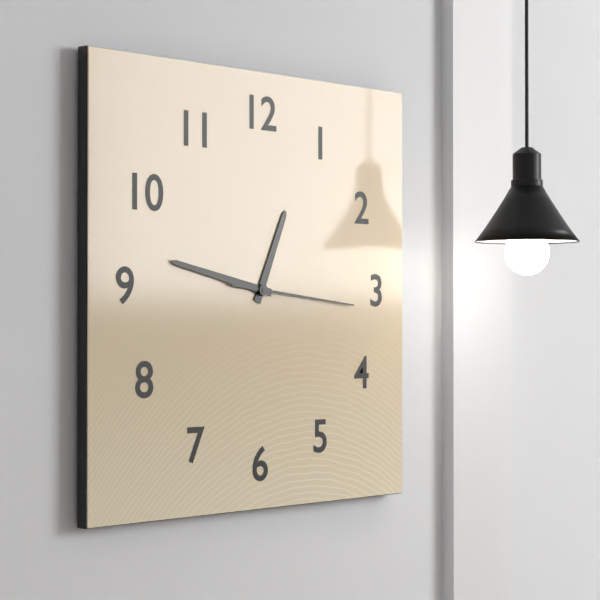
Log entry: {"hour": 12, "minute": 47, "second": 16}
